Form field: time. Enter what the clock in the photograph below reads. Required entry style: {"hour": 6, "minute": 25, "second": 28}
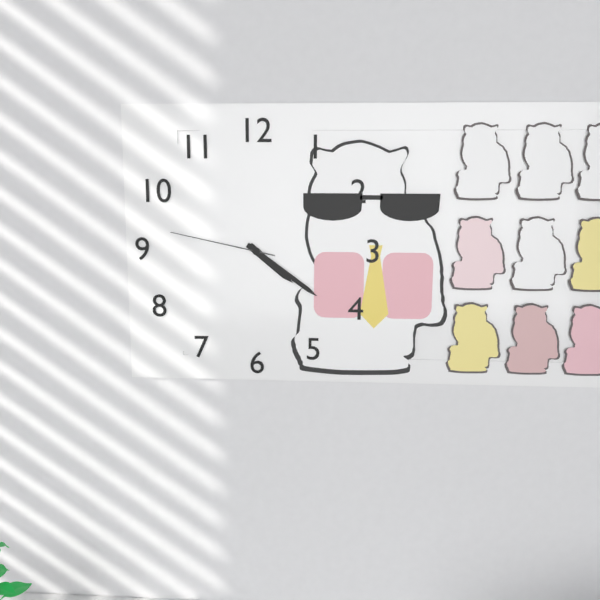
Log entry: {"hour": 4, "minute": 21, "second": 47}
